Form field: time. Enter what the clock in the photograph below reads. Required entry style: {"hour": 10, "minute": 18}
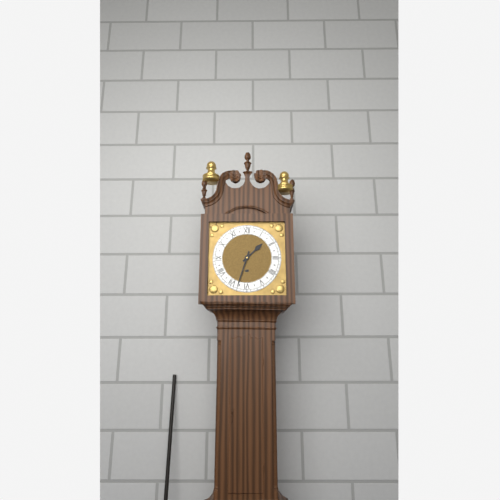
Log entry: {"hour": 1, "minute": 33}
